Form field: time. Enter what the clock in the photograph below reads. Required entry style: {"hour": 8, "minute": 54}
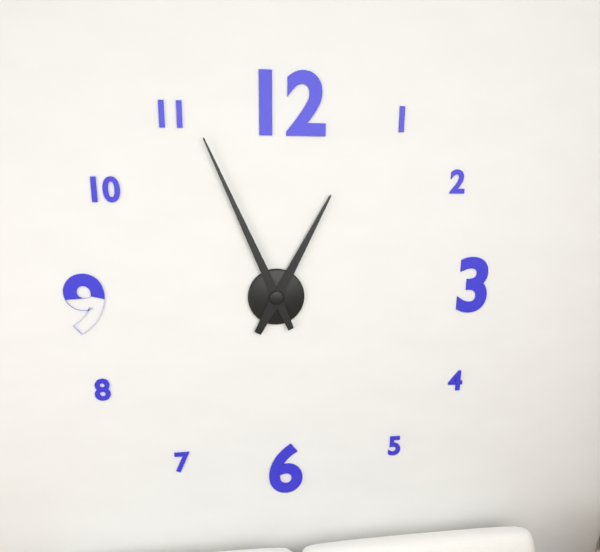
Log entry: {"hour": 12, "minute": 56}
